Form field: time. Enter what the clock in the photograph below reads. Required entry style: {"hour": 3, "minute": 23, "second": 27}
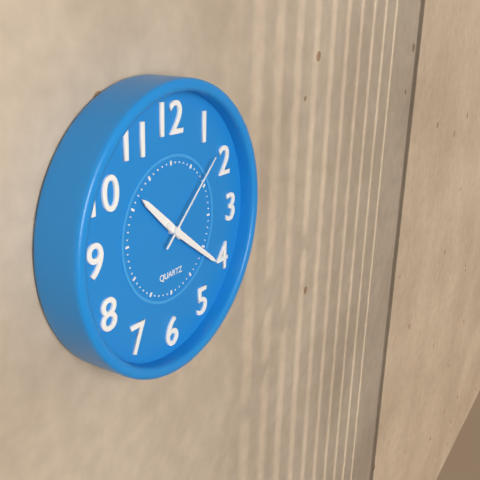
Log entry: {"hour": 10, "minute": 21, "second": 8}
